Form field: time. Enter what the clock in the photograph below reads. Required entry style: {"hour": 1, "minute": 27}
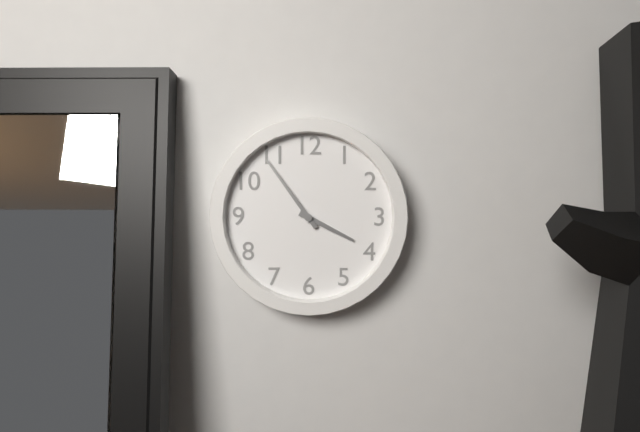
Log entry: {"hour": 3, "minute": 54}
